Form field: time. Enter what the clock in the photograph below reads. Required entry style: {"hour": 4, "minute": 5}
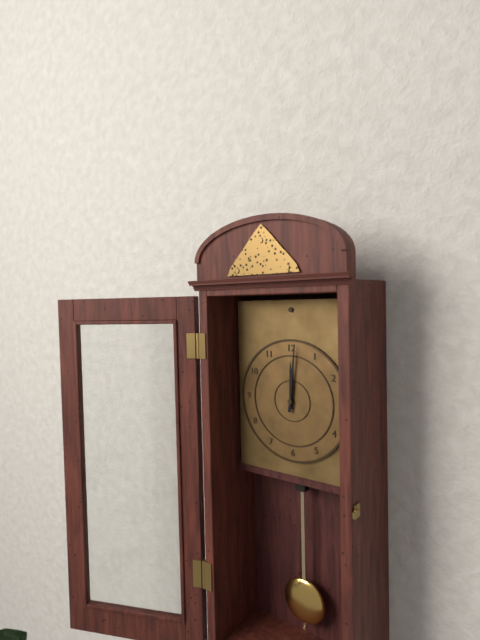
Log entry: {"hour": 12, "minute": 1}
